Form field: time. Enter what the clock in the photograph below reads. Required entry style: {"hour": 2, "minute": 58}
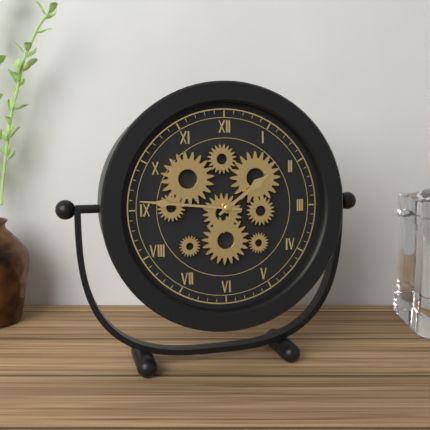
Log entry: {"hour": 1, "minute": 46}
